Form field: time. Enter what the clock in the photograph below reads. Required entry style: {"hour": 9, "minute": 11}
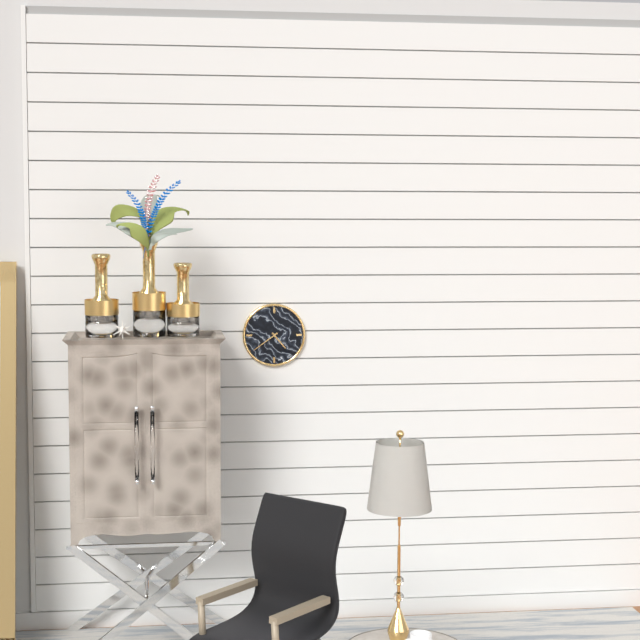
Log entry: {"hour": 4, "minute": 39}
